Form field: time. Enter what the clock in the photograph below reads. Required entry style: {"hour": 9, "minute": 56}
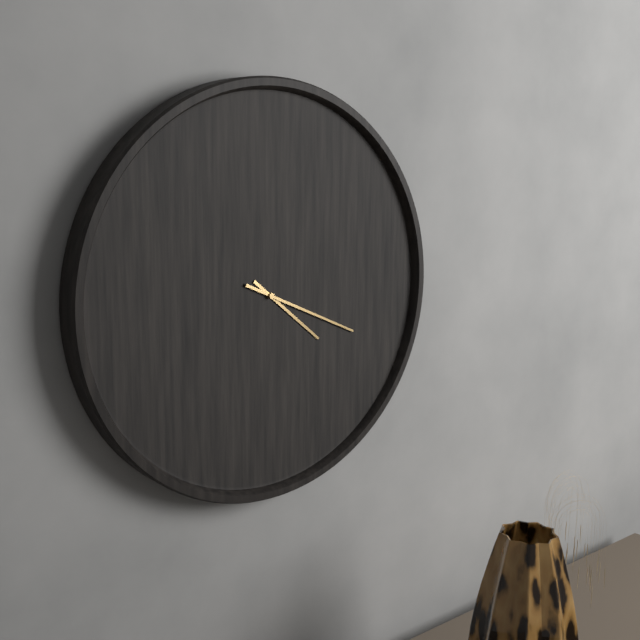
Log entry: {"hour": 4, "minute": 19}
